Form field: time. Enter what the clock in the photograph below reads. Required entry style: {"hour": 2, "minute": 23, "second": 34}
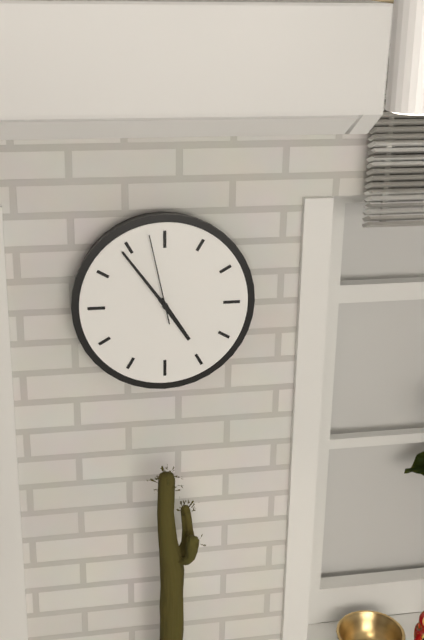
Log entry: {"hour": 4, "minute": 54, "second": 58}
